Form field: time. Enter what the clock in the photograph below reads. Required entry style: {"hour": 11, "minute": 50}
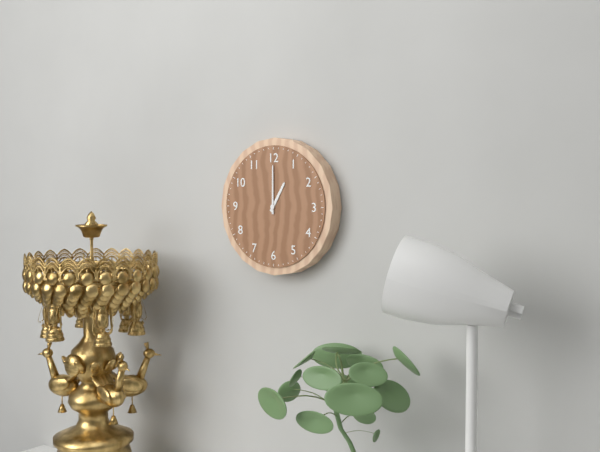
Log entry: {"hour": 1, "minute": 0}
